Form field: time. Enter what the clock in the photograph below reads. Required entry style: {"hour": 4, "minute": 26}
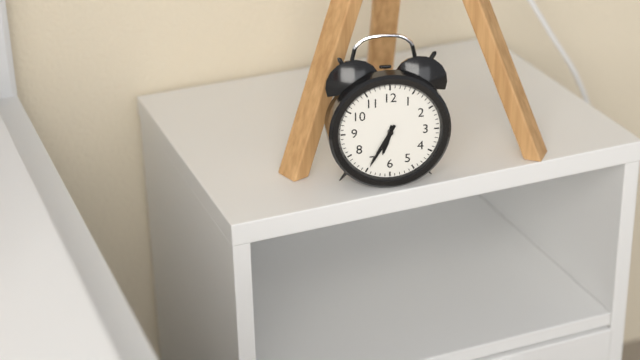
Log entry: {"hour": 6, "minute": 35}
